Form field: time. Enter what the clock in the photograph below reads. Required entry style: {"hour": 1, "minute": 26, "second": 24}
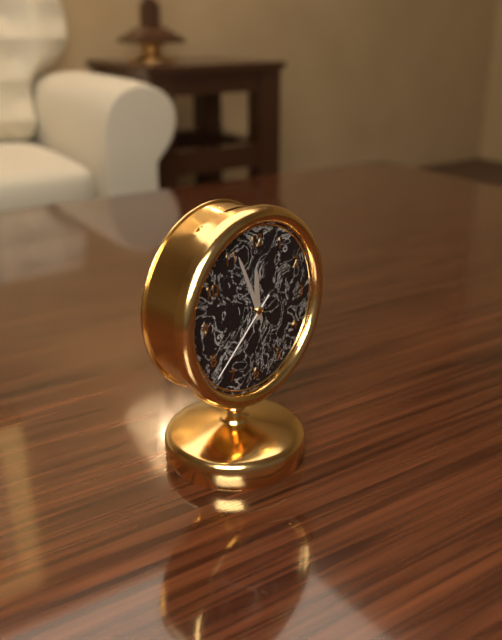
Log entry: {"hour": 11, "minute": 56, "second": 38}
